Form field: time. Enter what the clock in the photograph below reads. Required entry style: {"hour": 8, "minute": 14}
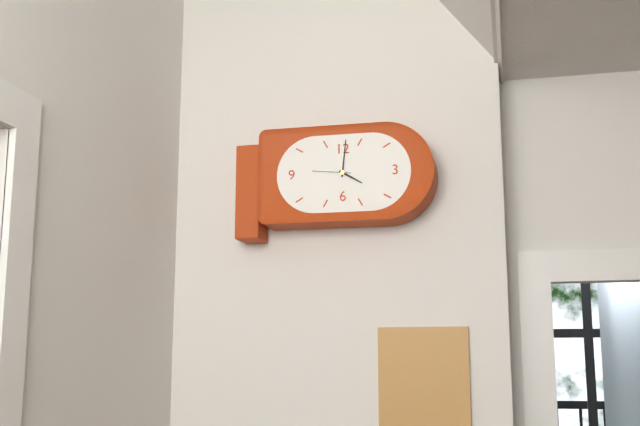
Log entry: {"hour": 4, "minute": 1}
